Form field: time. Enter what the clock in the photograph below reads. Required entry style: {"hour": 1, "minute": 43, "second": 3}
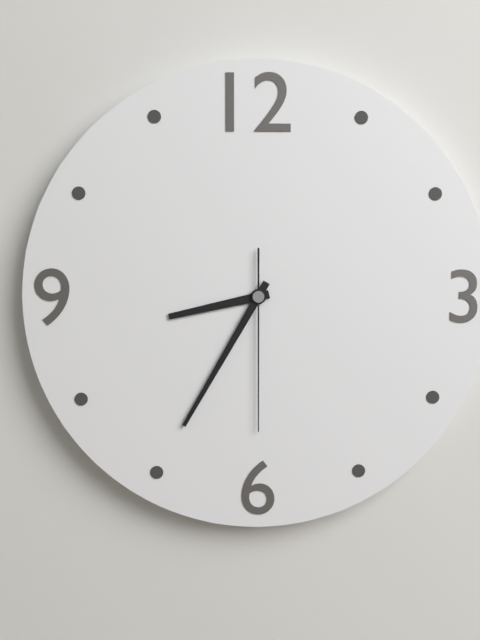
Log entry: {"hour": 8, "minute": 35, "second": 30}
